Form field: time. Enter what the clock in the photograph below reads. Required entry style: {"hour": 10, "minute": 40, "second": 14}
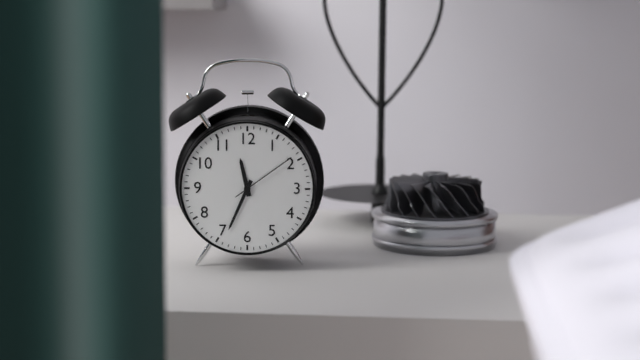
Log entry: {"hour": 11, "minute": 34, "second": 9}
